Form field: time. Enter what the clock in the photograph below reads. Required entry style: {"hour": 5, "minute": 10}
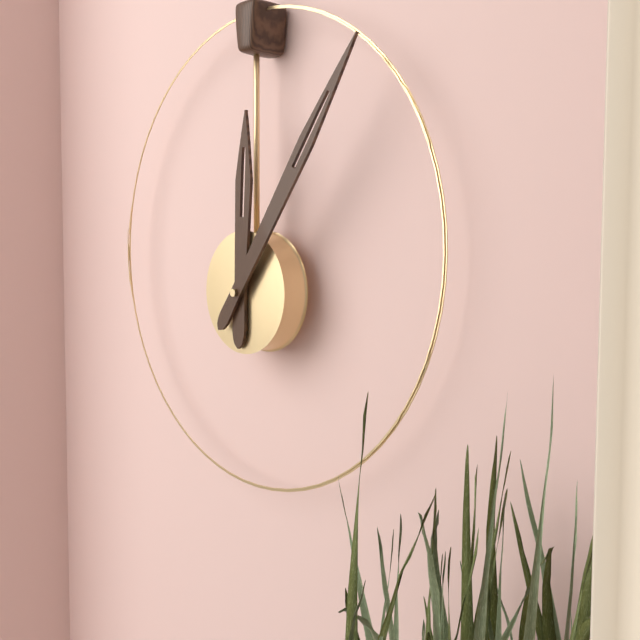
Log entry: {"hour": 12, "minute": 6}
